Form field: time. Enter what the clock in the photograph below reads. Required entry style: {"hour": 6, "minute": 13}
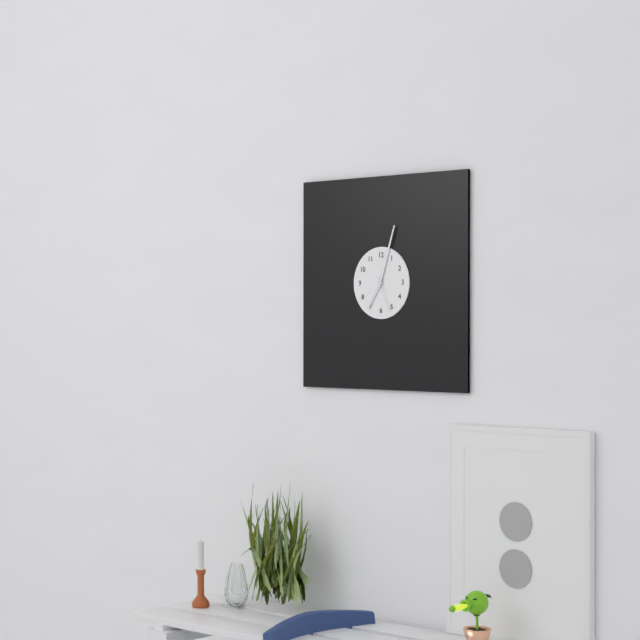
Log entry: {"hour": 7, "minute": 3}
